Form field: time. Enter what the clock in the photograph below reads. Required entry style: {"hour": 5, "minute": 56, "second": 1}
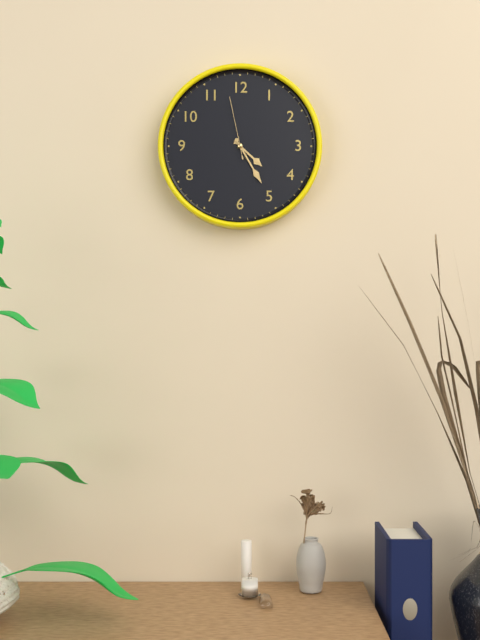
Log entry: {"hour": 4, "minute": 25, "second": 58}
